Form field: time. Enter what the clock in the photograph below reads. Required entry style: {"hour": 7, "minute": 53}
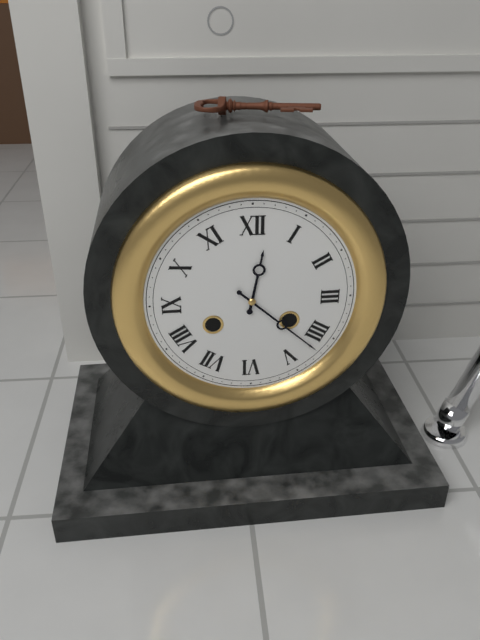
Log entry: {"hour": 12, "minute": 22}
